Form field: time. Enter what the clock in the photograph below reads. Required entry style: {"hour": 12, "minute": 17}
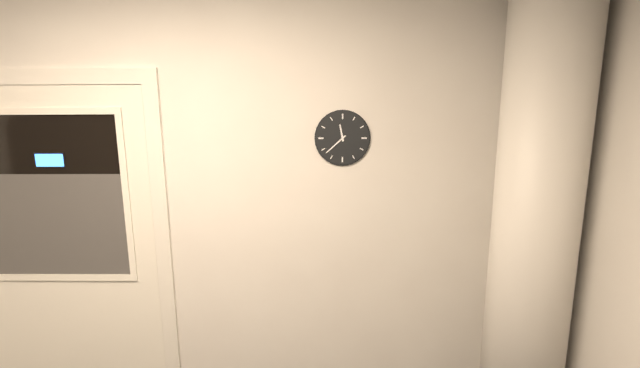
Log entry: {"hour": 11, "minute": 38}
